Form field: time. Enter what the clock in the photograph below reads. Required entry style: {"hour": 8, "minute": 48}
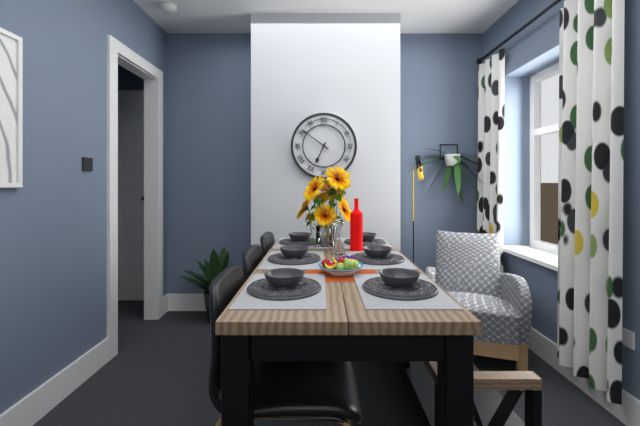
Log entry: {"hour": 6, "minute": 51}
